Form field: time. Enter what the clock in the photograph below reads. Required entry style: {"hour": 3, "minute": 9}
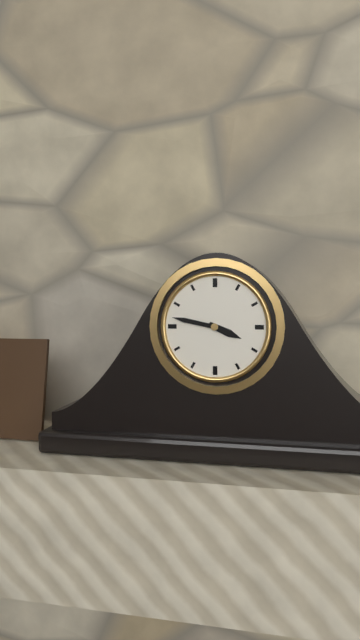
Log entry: {"hour": 3, "minute": 47}
